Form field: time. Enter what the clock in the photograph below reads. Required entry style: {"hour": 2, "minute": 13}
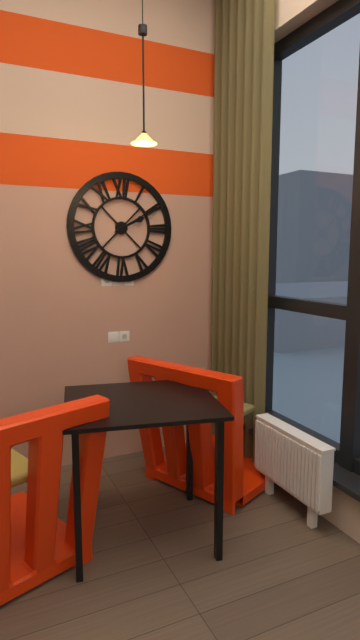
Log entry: {"hour": 2, "minute": 10}
